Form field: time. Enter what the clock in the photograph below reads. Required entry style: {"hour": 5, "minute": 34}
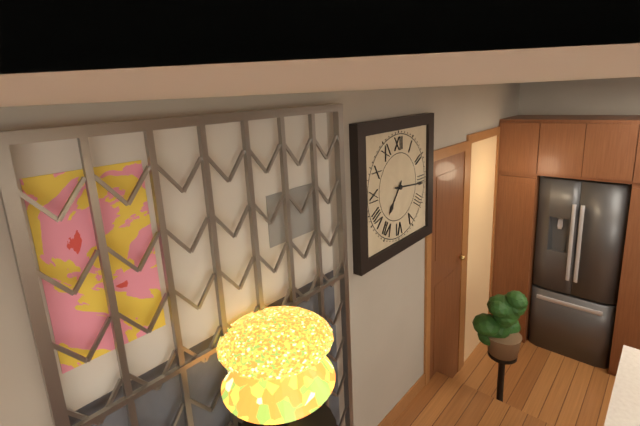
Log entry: {"hour": 7, "minute": 16}
